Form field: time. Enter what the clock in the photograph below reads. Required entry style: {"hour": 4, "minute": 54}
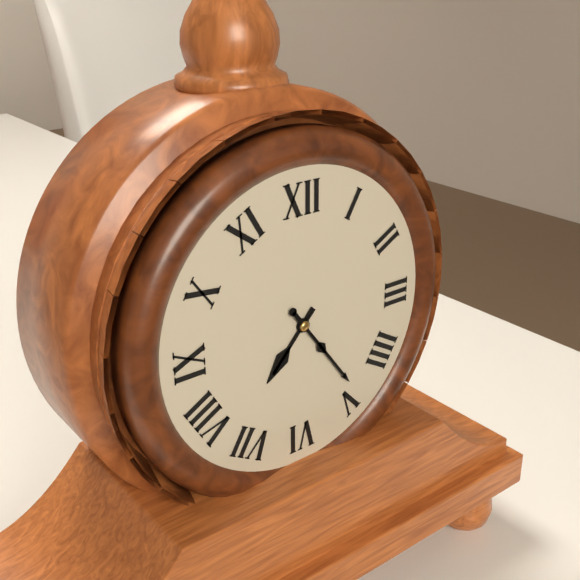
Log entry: {"hour": 7, "minute": 24}
